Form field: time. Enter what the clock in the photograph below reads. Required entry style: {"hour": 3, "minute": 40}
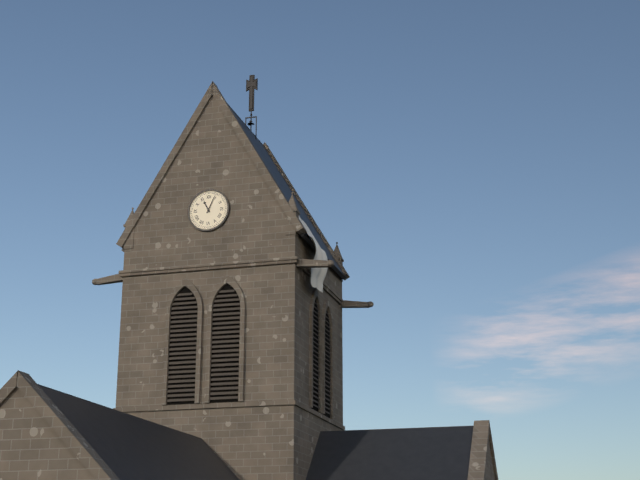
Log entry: {"hour": 11, "minute": 4}
